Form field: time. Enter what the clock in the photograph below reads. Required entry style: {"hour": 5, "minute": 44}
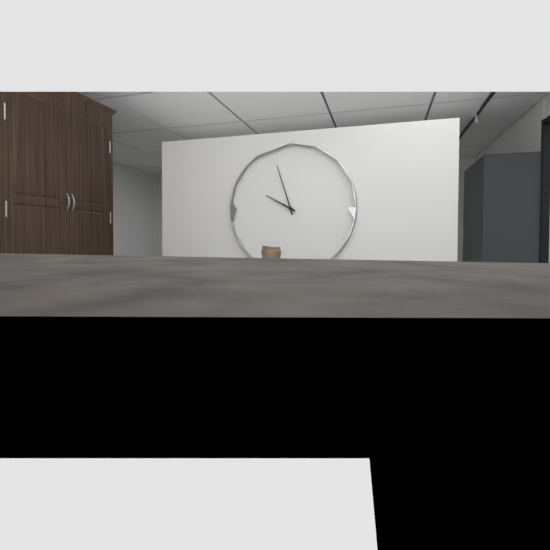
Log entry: {"hour": 9, "minute": 57}
